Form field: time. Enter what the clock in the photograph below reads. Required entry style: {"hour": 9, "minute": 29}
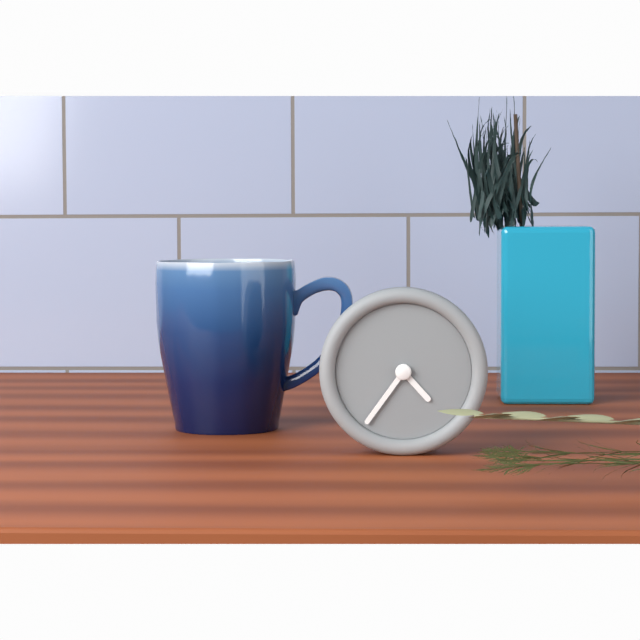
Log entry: {"hour": 4, "minute": 36}
